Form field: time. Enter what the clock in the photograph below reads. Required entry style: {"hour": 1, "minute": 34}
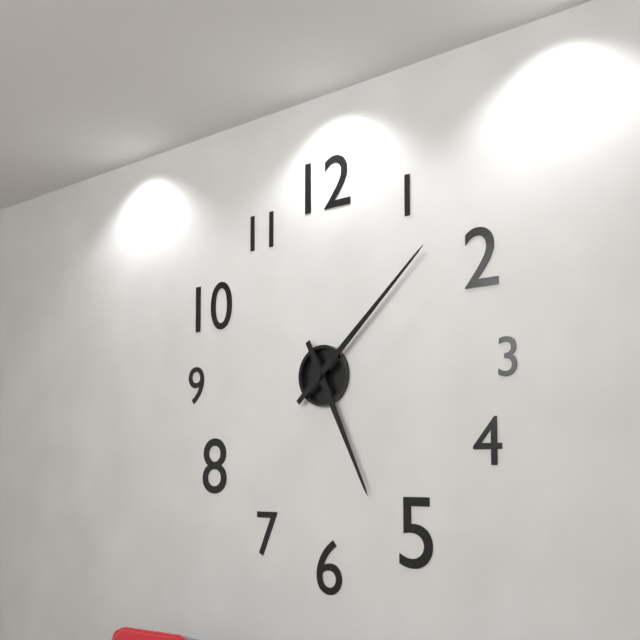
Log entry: {"hour": 5, "minute": 8}
